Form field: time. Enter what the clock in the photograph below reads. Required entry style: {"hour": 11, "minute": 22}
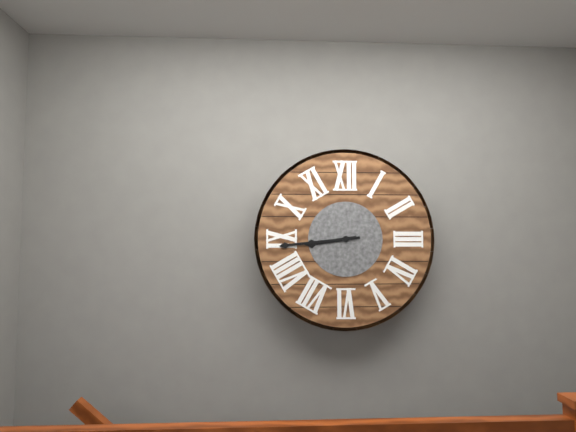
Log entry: {"hour": 8, "minute": 44}
